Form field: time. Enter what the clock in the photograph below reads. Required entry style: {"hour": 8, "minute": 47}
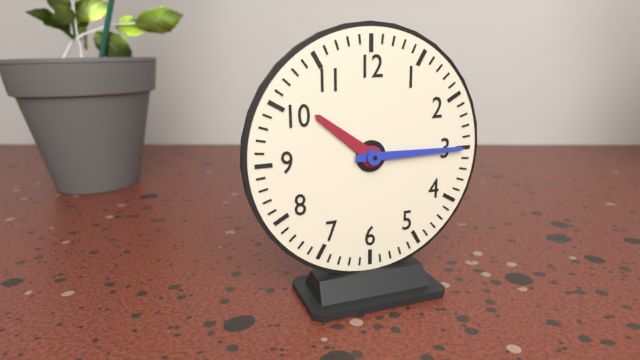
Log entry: {"hour": 10, "minute": 15}
